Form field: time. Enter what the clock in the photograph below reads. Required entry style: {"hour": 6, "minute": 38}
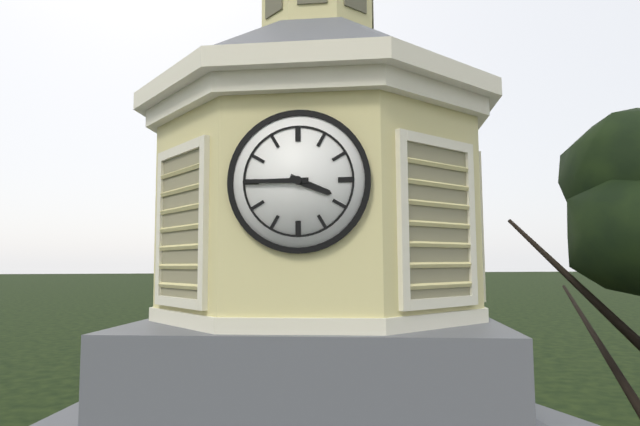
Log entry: {"hour": 3, "minute": 45}
